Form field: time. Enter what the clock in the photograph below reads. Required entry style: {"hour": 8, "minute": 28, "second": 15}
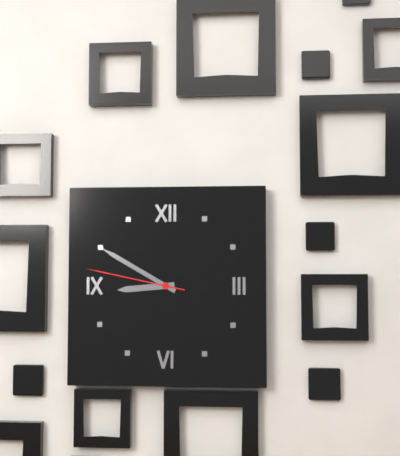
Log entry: {"hour": 8, "minute": 50, "second": 47}
